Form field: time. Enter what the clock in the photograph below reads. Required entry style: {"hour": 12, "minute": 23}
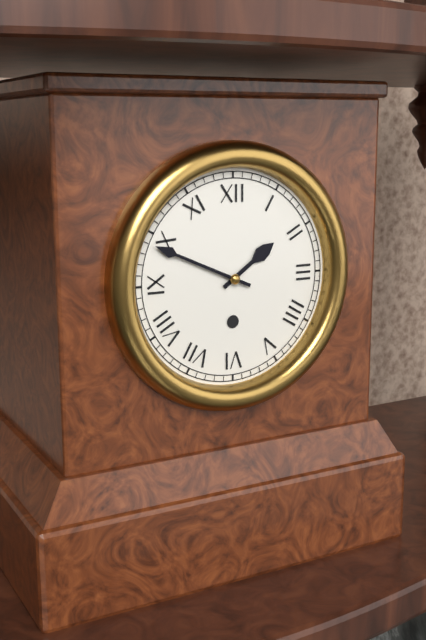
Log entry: {"hour": 1, "minute": 49}
